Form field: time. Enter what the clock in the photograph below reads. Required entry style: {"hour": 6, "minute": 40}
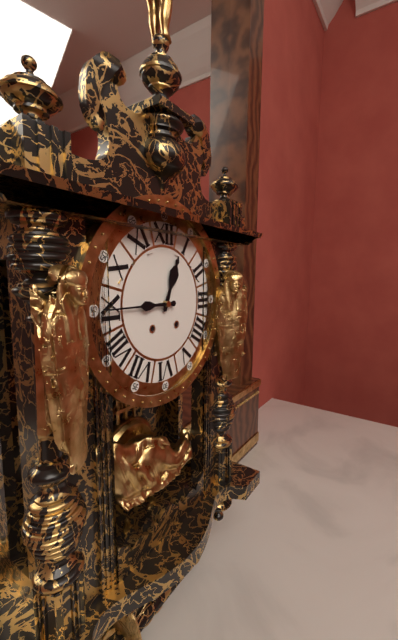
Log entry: {"hour": 12, "minute": 45}
